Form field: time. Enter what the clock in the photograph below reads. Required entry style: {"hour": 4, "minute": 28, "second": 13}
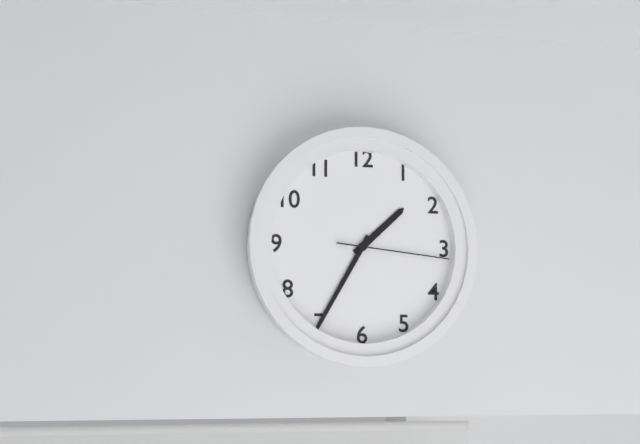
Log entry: {"hour": 1, "minute": 35, "second": 16}
